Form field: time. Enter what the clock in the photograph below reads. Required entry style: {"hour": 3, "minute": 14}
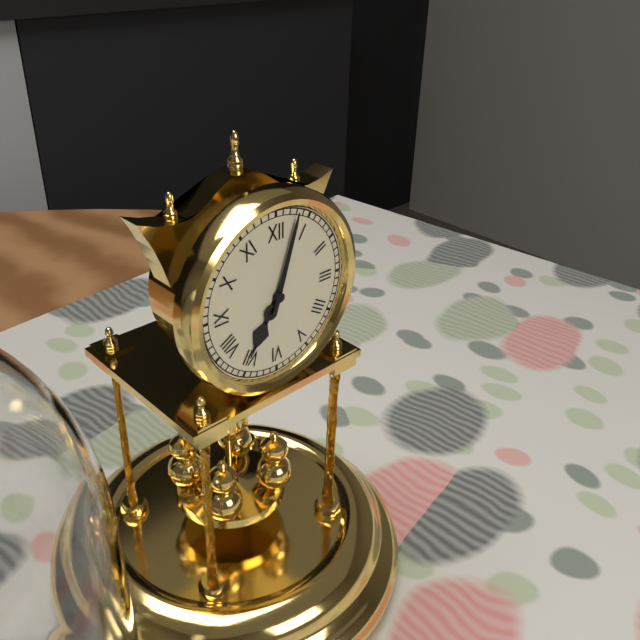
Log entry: {"hour": 7, "minute": 3}
